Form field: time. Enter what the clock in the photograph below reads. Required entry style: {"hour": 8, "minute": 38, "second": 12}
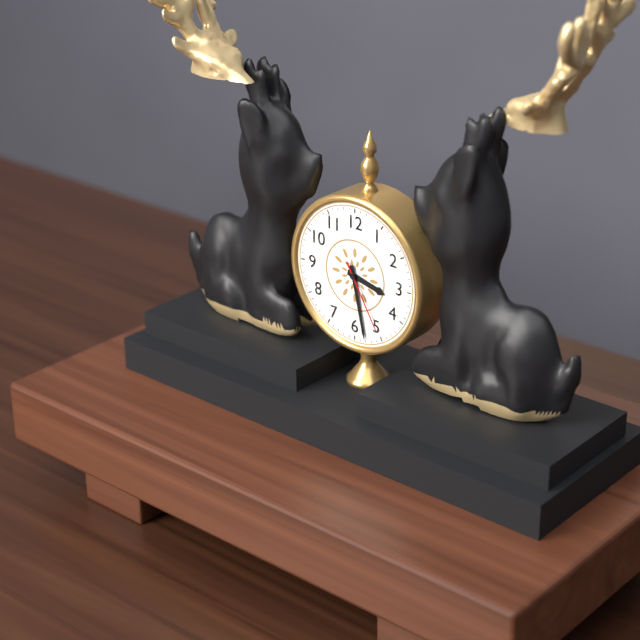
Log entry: {"hour": 3, "minute": 28, "second": 25}
